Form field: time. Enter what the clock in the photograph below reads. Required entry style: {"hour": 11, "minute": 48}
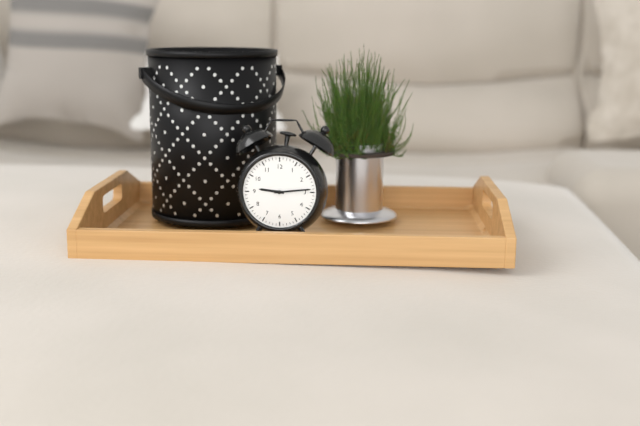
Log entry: {"hour": 9, "minute": 14}
